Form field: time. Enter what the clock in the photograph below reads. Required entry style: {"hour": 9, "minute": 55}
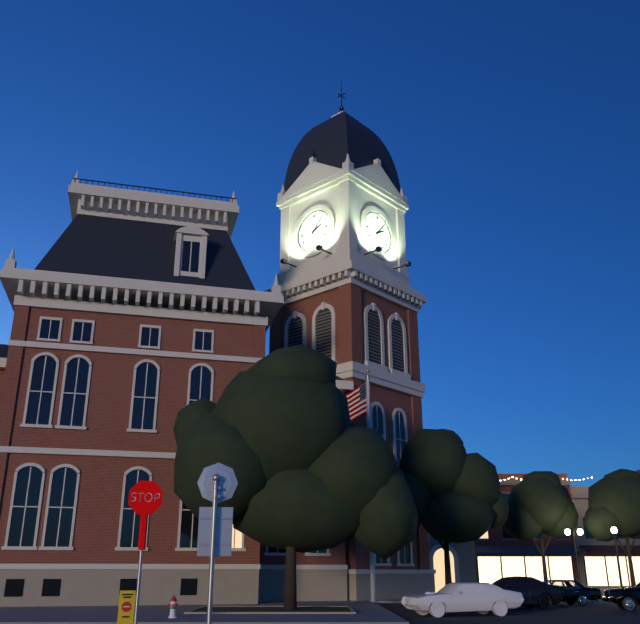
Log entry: {"hour": 2, "minute": 7}
